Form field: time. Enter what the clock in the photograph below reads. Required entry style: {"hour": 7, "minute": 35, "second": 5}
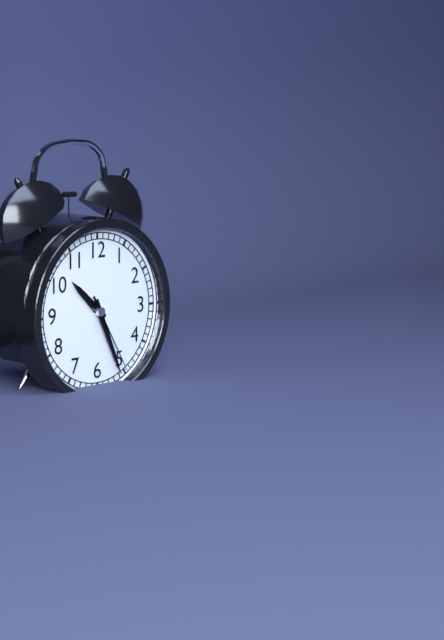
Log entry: {"hour": 10, "minute": 26, "second": 25}
